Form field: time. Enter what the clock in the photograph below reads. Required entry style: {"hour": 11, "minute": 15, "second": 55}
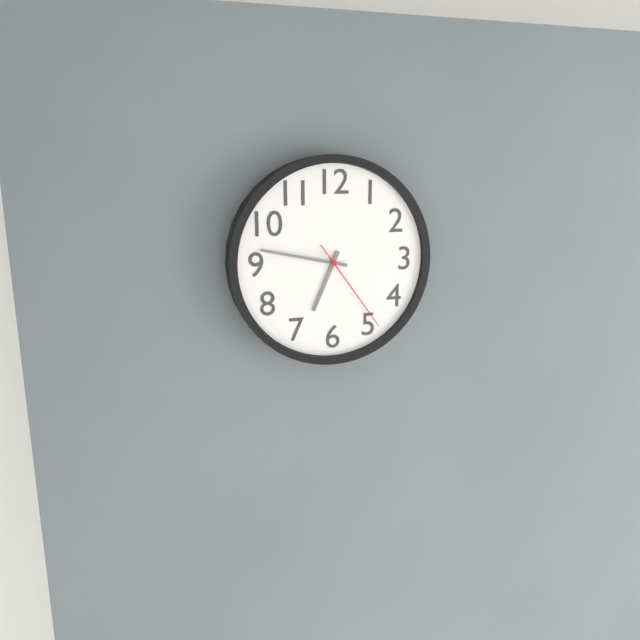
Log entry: {"hour": 6, "minute": 47, "second": 24}
